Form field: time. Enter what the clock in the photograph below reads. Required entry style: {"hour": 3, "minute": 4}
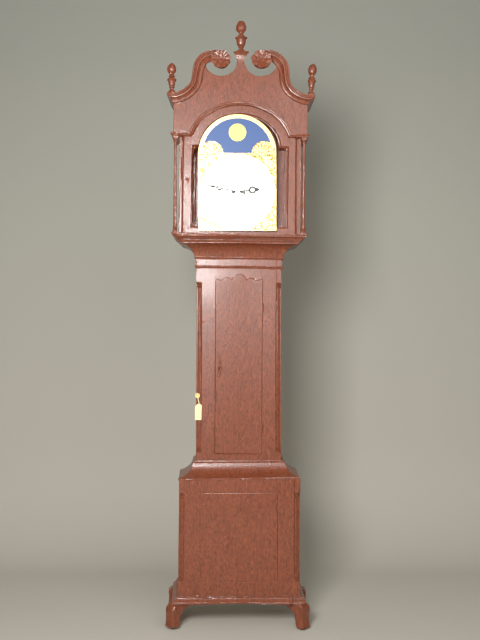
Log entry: {"hour": 2, "minute": 47}
